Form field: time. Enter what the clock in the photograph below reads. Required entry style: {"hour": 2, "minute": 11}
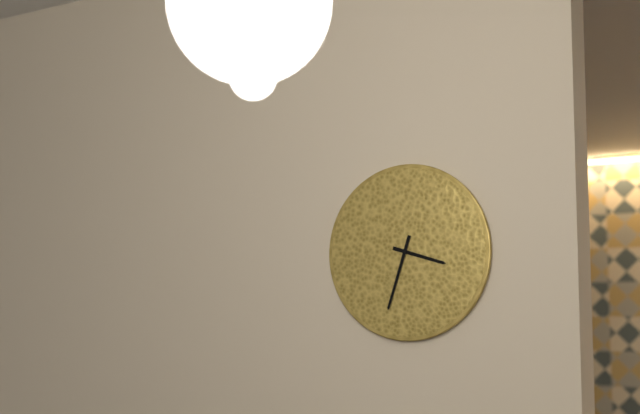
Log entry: {"hour": 3, "minute": 33}
